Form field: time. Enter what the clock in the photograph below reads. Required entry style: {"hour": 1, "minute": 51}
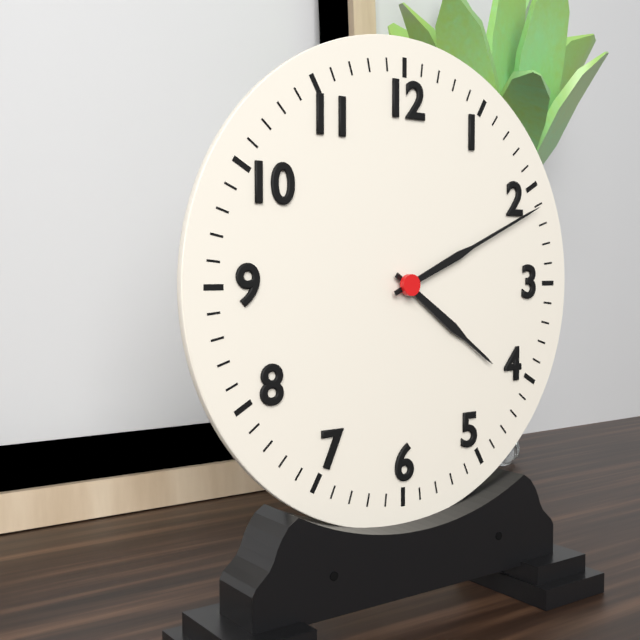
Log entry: {"hour": 4, "minute": 11}
